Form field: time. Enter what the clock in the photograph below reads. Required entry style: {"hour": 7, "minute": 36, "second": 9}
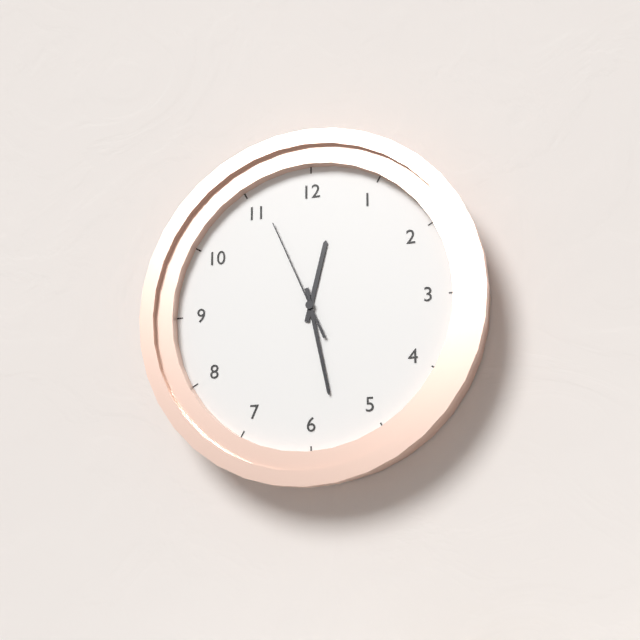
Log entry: {"hour": 12, "minute": 28, "second": 56}
